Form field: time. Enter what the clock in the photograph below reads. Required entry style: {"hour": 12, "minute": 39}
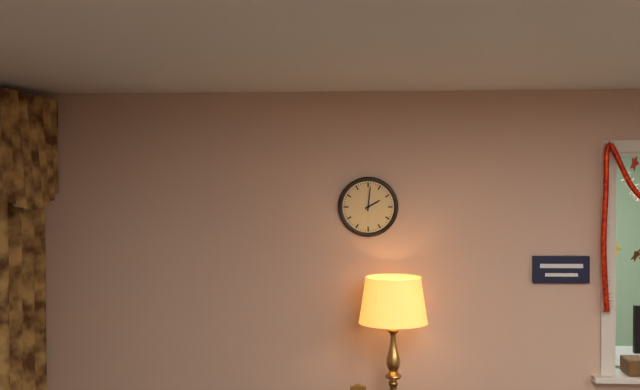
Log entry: {"hour": 2, "minute": 1}
